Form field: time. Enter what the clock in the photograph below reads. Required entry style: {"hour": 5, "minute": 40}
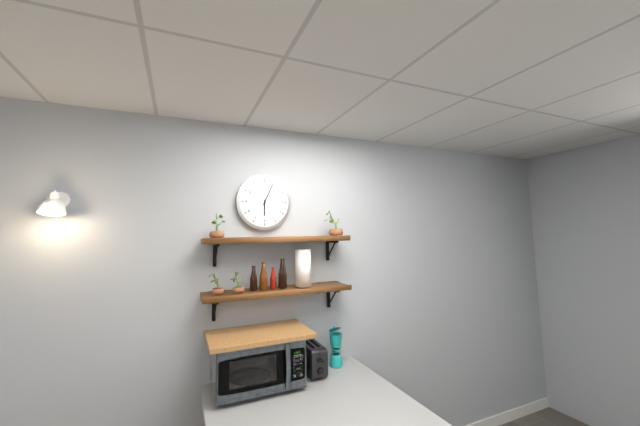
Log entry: {"hour": 6, "minute": 4}
